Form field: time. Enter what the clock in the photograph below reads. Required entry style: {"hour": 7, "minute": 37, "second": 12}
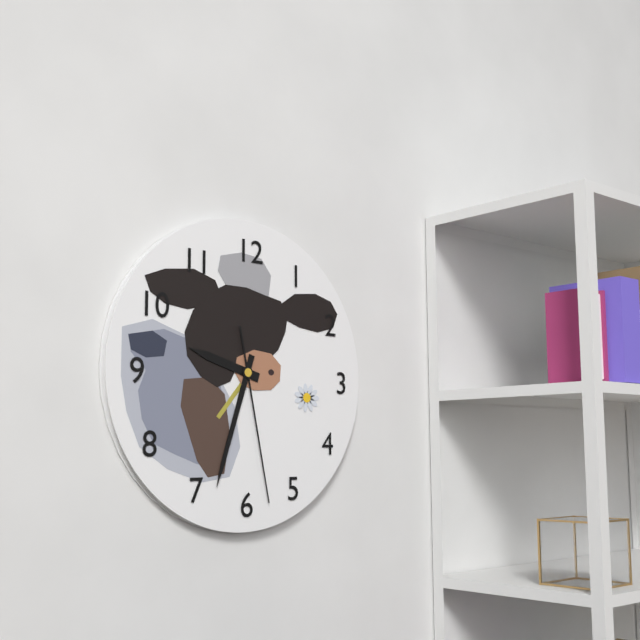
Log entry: {"hour": 9, "minute": 33, "second": 28}
